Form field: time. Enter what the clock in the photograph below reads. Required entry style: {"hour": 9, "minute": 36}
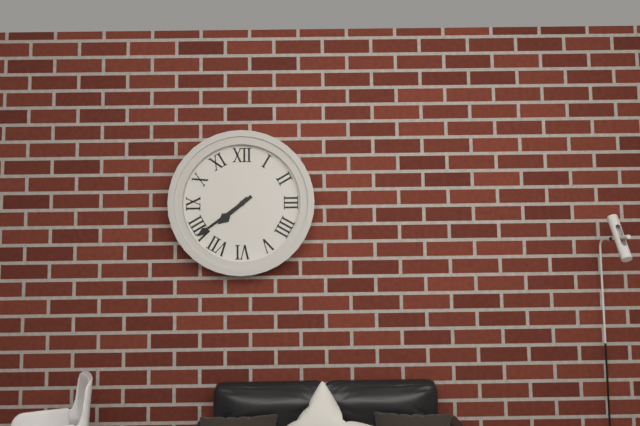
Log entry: {"hour": 7, "minute": 39}
